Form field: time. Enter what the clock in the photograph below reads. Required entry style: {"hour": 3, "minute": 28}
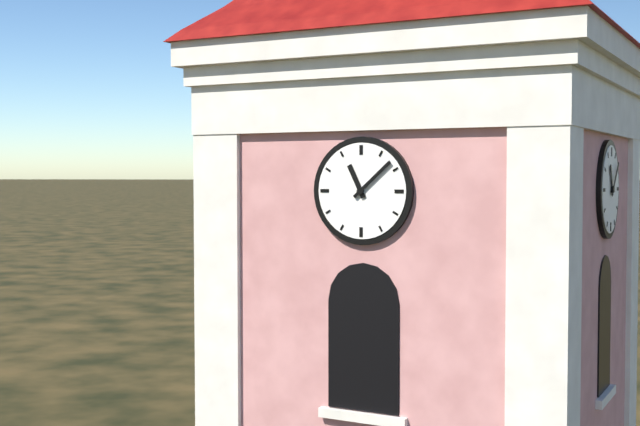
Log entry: {"hour": 11, "minute": 8}
